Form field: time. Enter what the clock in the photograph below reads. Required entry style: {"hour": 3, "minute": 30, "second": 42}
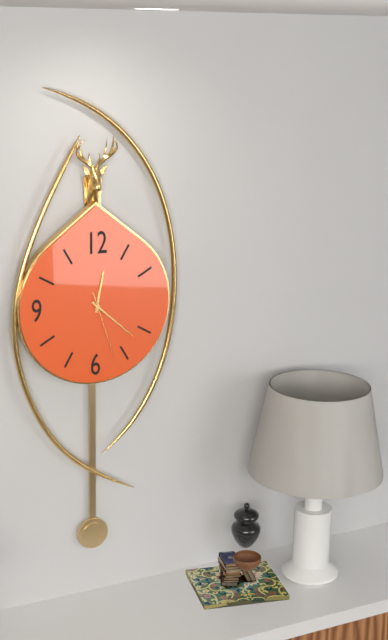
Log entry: {"hour": 12, "minute": 22, "second": 27}
